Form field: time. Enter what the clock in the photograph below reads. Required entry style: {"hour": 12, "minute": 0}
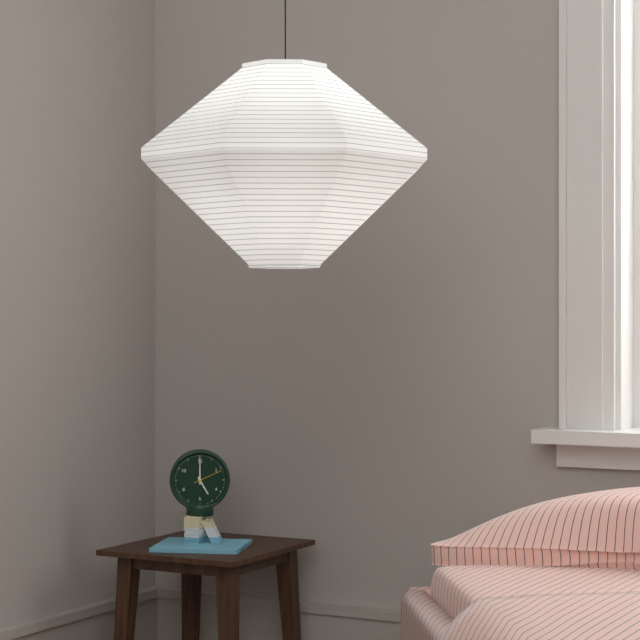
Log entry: {"hour": 5, "minute": 0}
